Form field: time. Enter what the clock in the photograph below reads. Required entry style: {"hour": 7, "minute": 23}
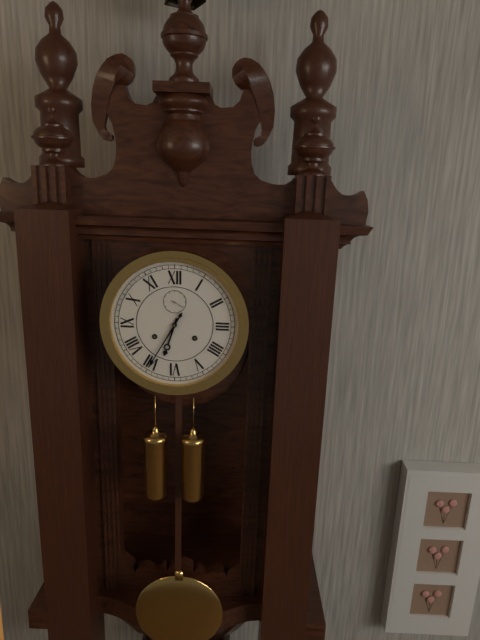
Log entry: {"hour": 6, "minute": 35}
